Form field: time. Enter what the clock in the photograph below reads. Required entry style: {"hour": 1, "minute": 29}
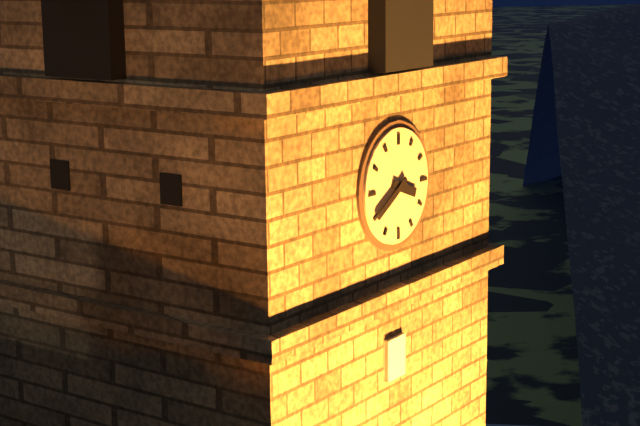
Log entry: {"hour": 3, "minute": 40}
